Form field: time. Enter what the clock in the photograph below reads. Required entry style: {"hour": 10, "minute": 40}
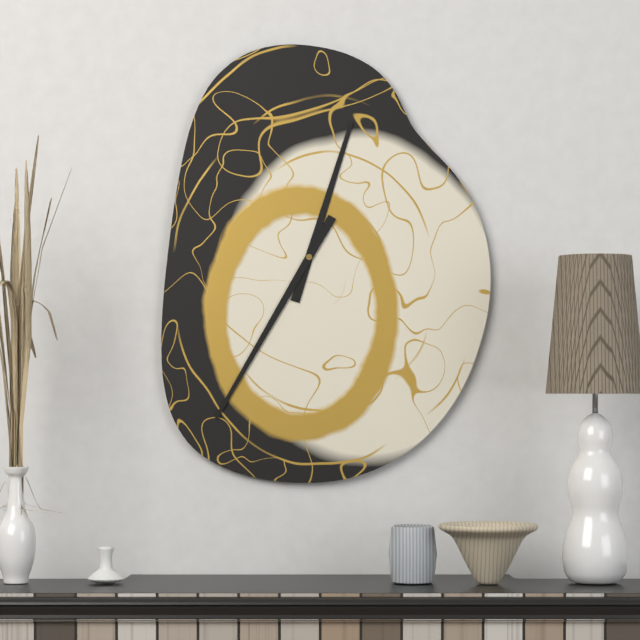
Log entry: {"hour": 12, "minute": 35}
